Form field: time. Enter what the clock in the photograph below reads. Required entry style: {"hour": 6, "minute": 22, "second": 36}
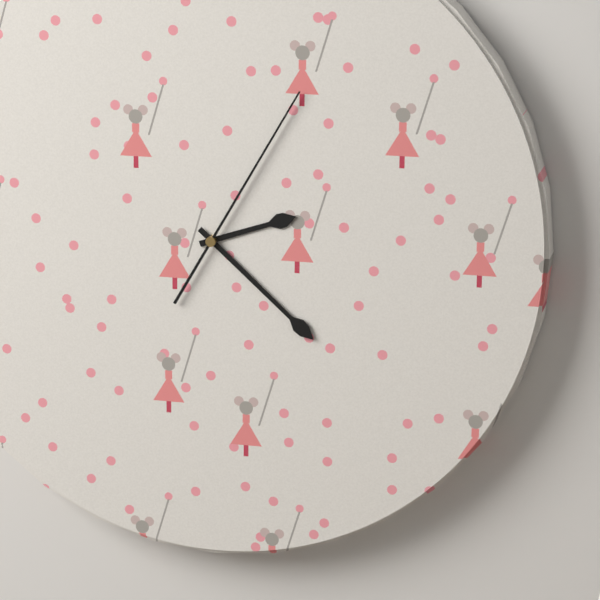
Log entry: {"hour": 2, "minute": 22, "second": 5}
